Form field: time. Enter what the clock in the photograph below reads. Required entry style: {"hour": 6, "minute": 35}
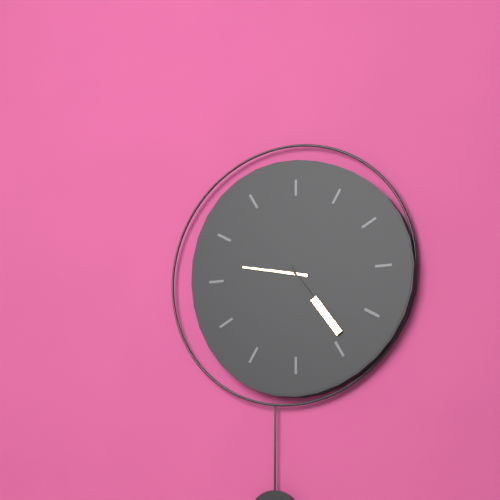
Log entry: {"hour": 9, "minute": 24}
